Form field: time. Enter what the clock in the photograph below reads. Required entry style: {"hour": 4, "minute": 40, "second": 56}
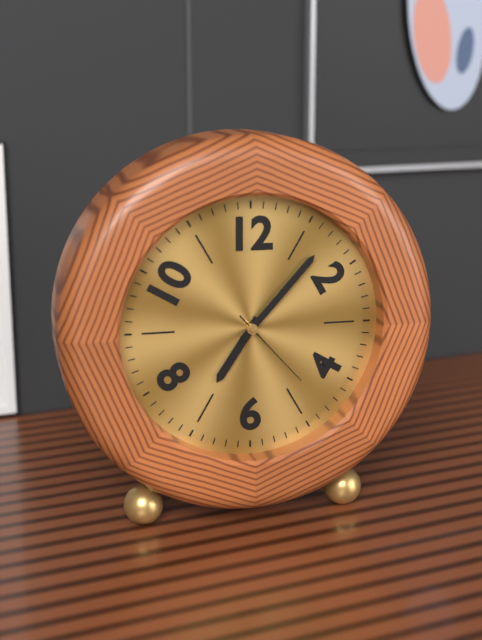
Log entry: {"hour": 7, "minute": 7, "second": 23}
